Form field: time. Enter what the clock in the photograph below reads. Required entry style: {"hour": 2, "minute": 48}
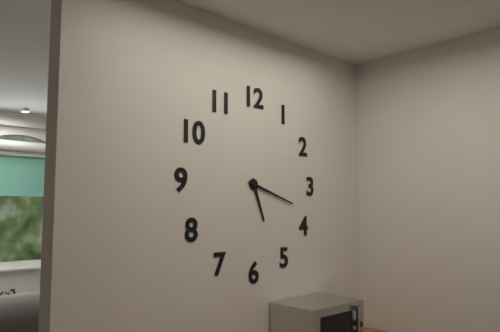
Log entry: {"hour": 5, "minute": 18}
